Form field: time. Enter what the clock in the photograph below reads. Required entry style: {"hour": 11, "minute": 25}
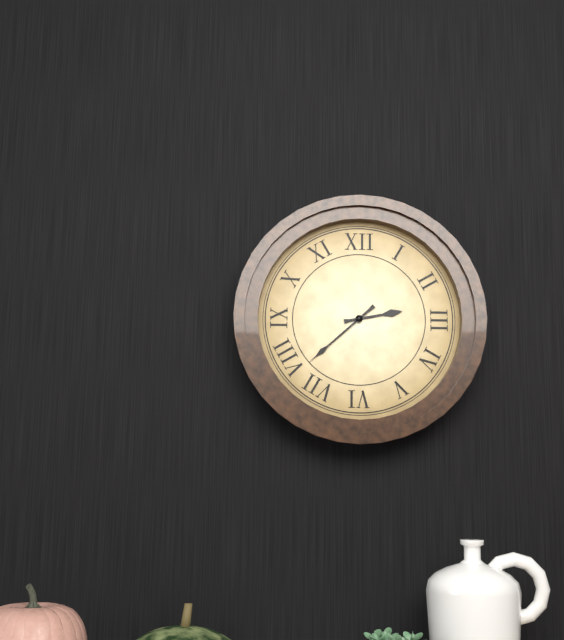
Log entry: {"hour": 2, "minute": 38}
